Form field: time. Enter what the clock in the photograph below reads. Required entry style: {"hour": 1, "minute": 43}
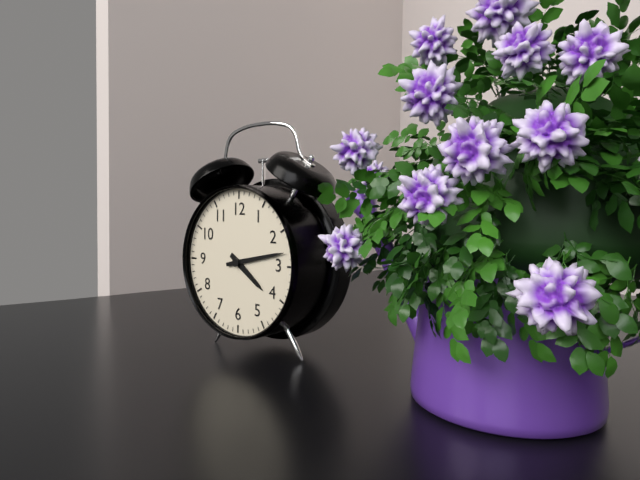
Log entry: {"hour": 4, "minute": 13}
